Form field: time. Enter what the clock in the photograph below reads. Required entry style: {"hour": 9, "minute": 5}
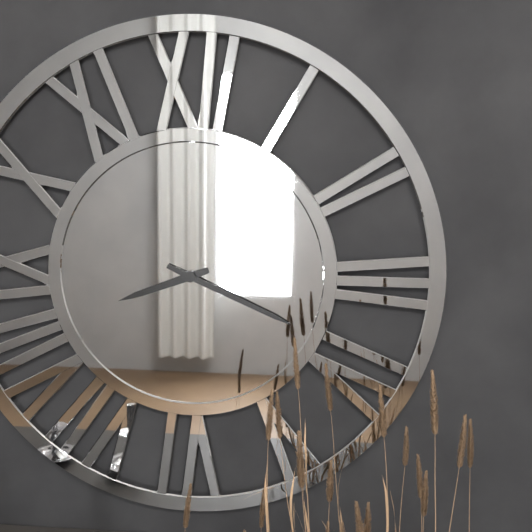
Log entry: {"hour": 8, "minute": 19}
